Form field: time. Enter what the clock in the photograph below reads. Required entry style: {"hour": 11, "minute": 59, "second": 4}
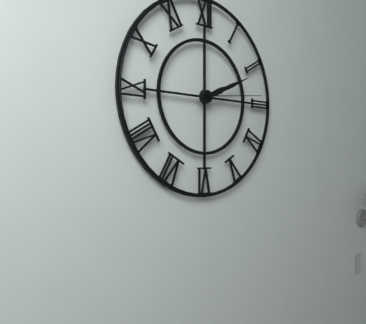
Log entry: {"hour": 2, "minute": 11, "second": 14}
